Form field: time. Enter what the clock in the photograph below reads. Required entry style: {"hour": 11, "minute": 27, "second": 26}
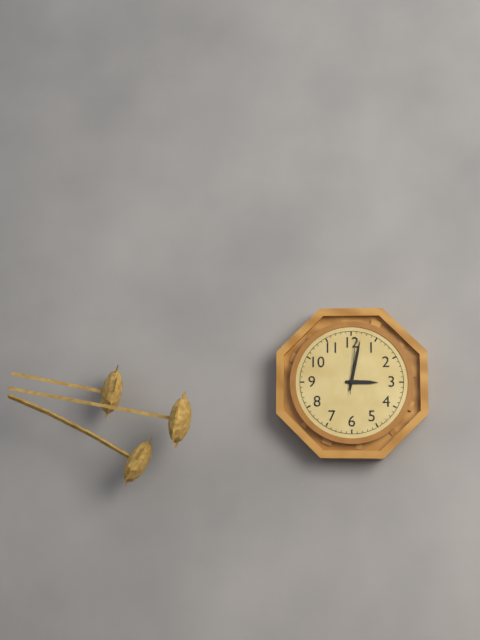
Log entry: {"hour": 3, "minute": 2, "second": 1}
